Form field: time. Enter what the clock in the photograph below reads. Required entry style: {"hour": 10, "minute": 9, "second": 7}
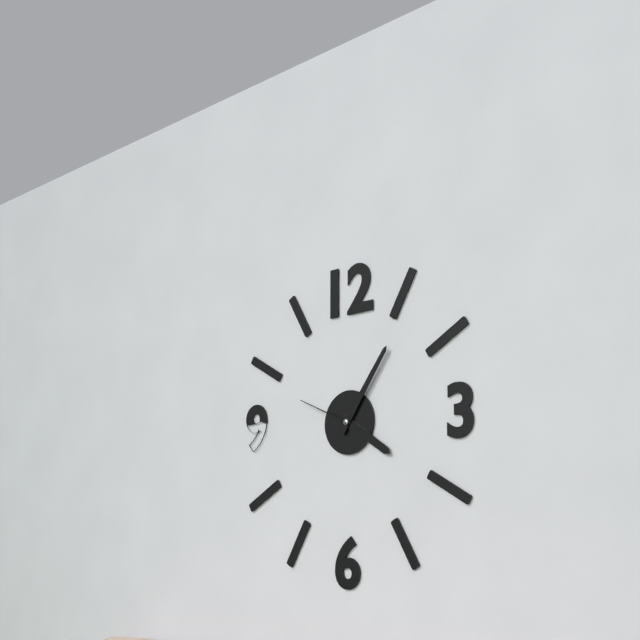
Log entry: {"hour": 4, "minute": 6, "second": 49}
